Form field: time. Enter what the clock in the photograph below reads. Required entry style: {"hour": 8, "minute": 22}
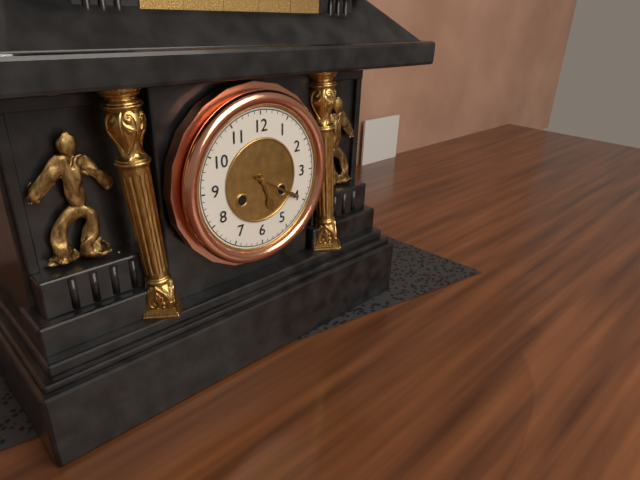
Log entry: {"hour": 5, "minute": 20}
